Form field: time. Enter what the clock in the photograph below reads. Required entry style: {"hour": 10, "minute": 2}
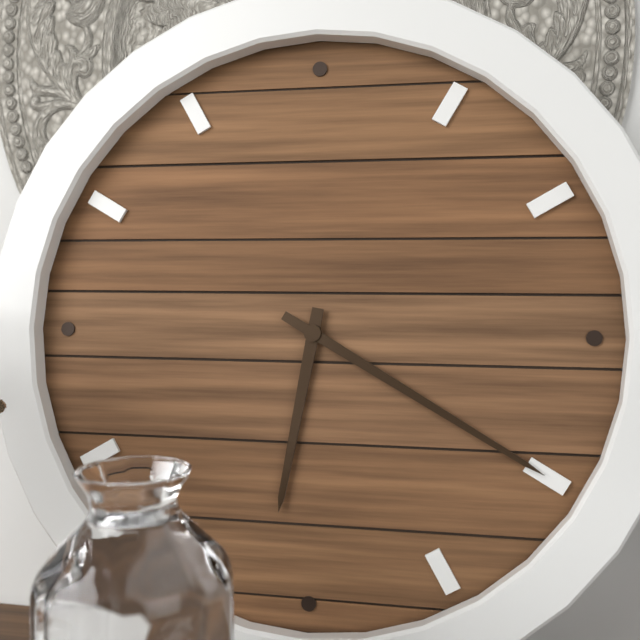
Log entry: {"hour": 6, "minute": 20}
